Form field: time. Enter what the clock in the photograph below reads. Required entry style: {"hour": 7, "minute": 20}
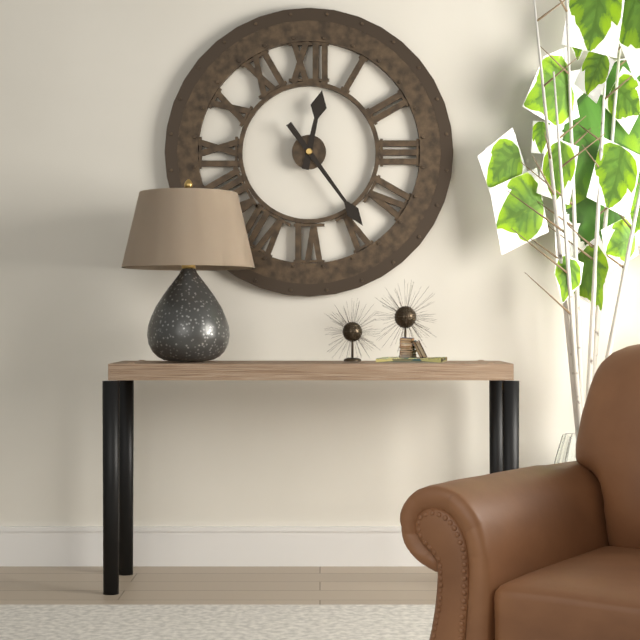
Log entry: {"hour": 12, "minute": 24}
